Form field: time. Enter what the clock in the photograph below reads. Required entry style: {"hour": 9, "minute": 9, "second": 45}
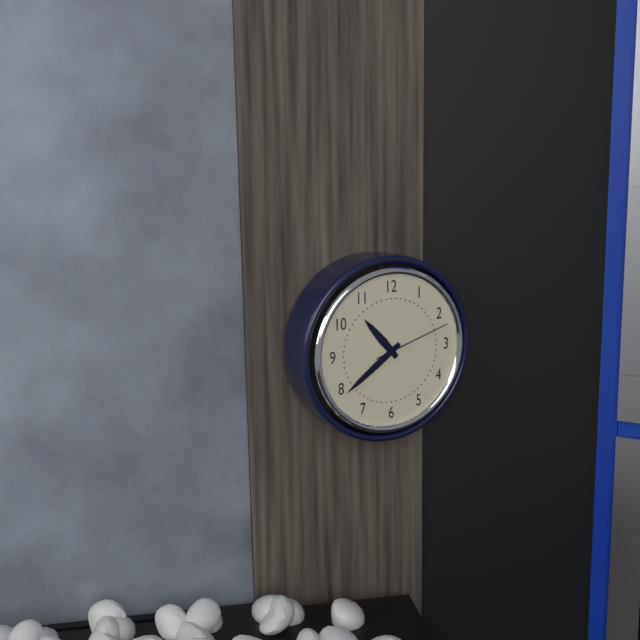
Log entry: {"hour": 10, "minute": 39, "second": 12}
